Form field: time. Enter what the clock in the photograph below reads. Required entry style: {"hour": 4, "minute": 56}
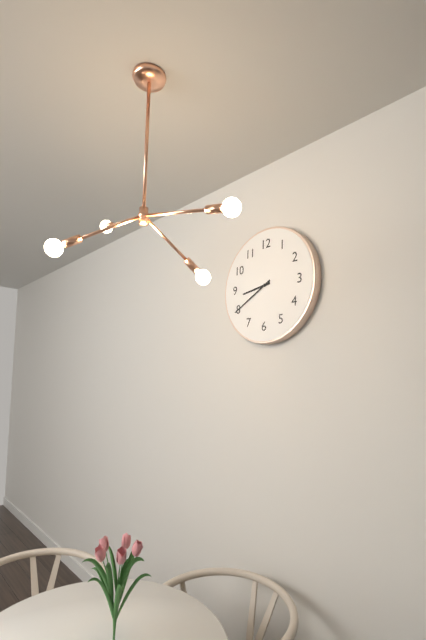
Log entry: {"hour": 8, "minute": 40}
